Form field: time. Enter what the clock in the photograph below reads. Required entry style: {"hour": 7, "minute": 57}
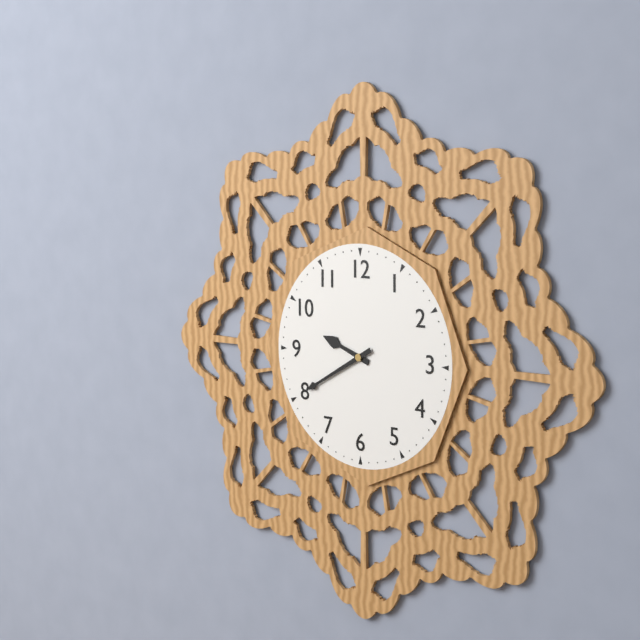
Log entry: {"hour": 9, "minute": 40}
